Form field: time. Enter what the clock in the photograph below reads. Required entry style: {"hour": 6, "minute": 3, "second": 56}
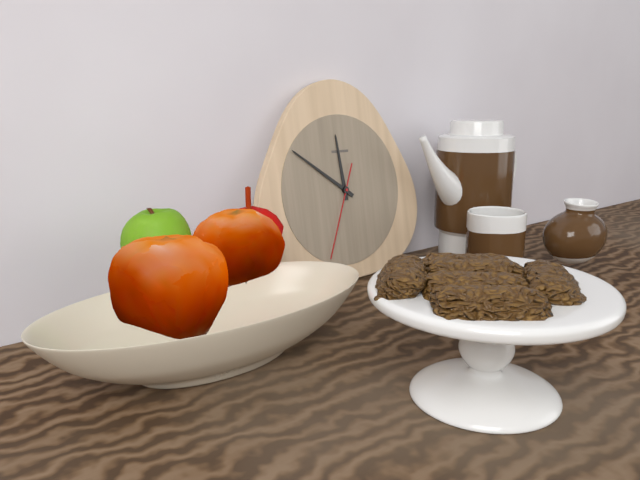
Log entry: {"hour": 11, "minute": 51, "second": 34}
